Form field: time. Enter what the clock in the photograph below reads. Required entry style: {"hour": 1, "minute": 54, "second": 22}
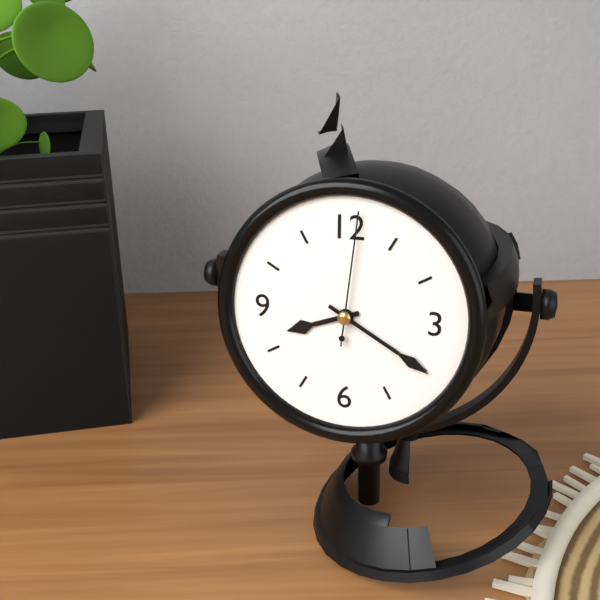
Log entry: {"hour": 8, "minute": 20, "second": 1}
